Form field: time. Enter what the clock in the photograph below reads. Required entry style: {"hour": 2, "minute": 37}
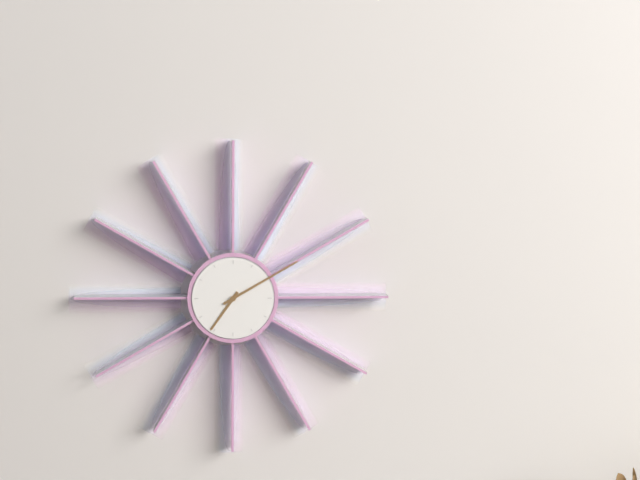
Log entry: {"hour": 7, "minute": 10}
